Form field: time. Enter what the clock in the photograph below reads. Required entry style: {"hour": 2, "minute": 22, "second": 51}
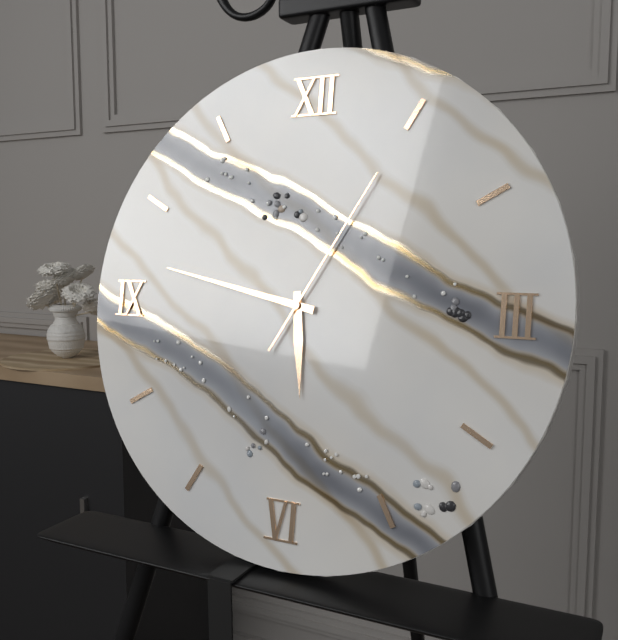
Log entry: {"hour": 5, "minute": 47, "second": 5}
